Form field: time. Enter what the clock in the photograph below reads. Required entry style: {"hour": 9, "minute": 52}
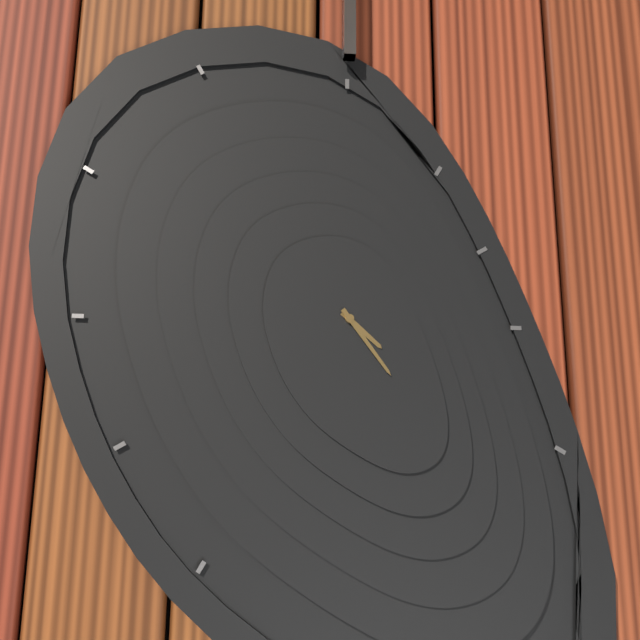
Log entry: {"hour": 4, "minute": 24}
